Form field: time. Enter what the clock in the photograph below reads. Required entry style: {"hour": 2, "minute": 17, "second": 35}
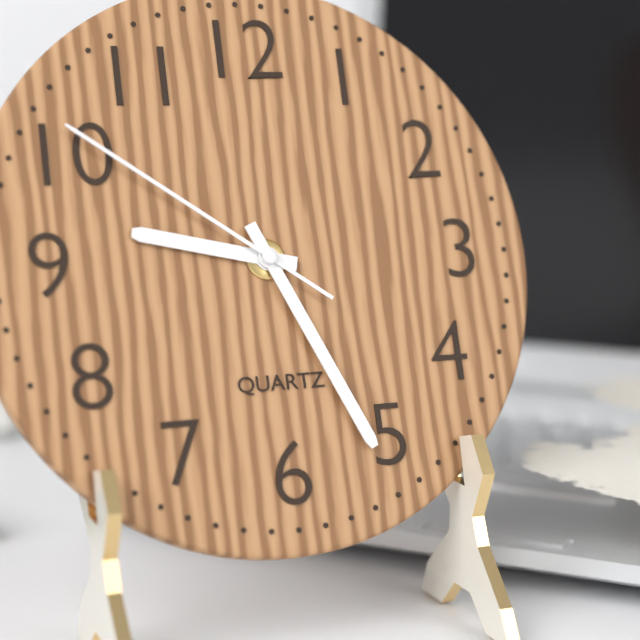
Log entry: {"hour": 9, "minute": 26, "second": 51}
